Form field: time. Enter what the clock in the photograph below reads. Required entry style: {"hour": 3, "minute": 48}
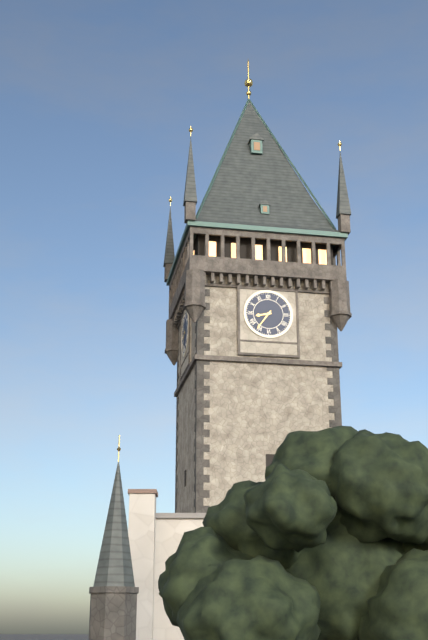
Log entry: {"hour": 8, "minute": 36}
